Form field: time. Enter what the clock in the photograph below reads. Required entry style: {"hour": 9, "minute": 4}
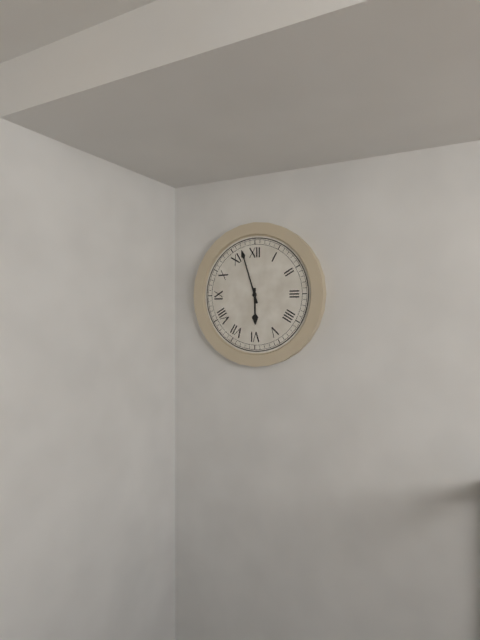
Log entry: {"hour": 5, "minute": 57}
